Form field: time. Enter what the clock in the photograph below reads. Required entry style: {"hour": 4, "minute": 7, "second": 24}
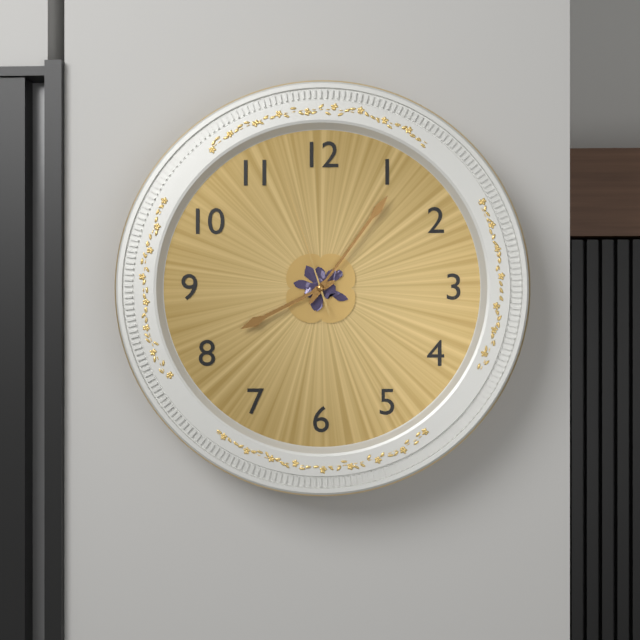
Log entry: {"hour": 8, "minute": 6, "second": 57}
